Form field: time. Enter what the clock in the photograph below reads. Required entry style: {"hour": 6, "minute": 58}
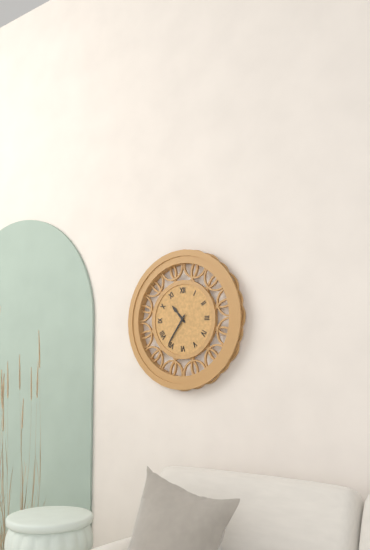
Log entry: {"hour": 10, "minute": 36}
